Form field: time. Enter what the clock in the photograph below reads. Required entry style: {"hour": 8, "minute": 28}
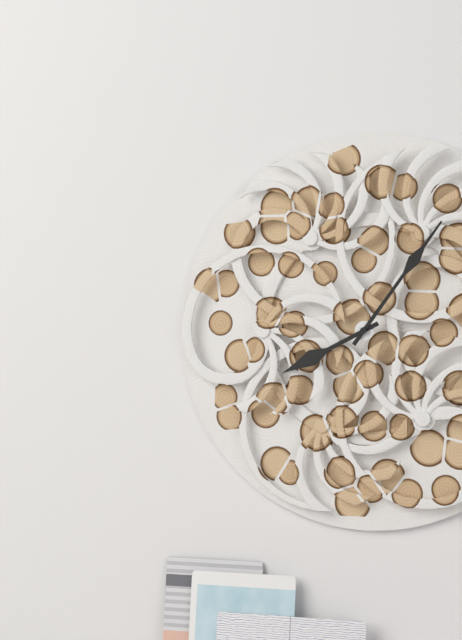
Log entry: {"hour": 8, "minute": 6}
